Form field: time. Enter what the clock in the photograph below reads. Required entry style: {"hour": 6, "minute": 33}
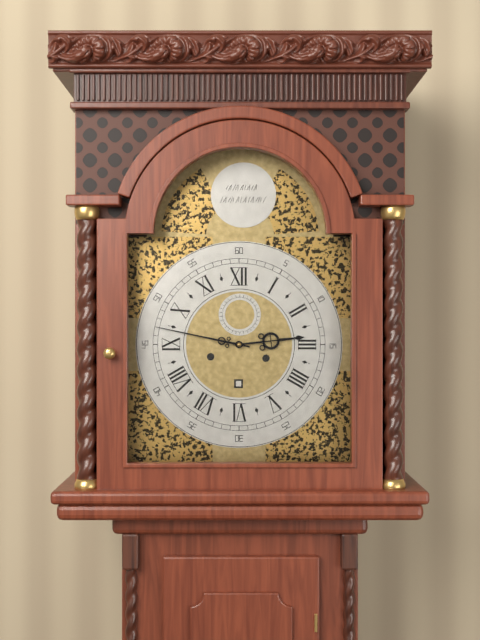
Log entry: {"hour": 2, "minute": 47}
